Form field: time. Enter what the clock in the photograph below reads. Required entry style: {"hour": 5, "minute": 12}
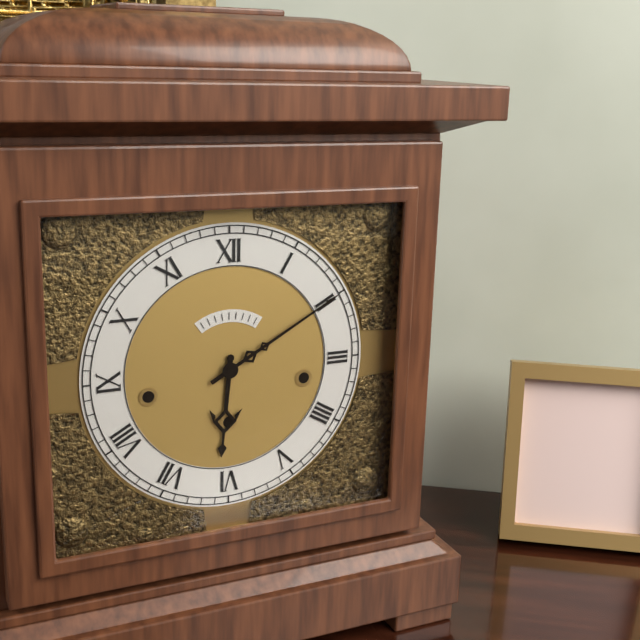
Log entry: {"hour": 6, "minute": 10}
